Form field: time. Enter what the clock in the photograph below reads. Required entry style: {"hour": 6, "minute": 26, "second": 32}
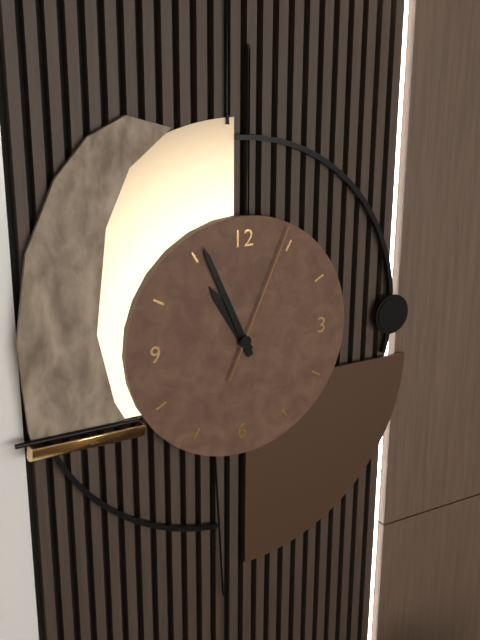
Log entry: {"hour": 10, "minute": 56, "second": 4}
